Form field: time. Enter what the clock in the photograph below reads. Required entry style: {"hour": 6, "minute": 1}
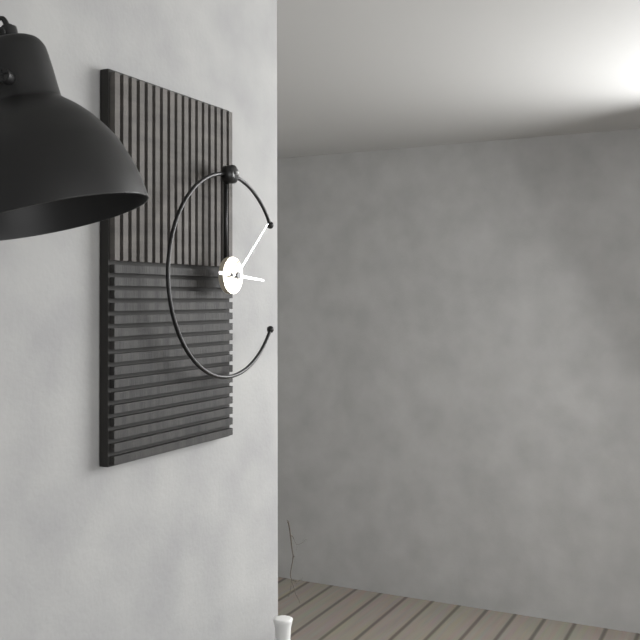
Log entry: {"hour": 3, "minute": 8}
